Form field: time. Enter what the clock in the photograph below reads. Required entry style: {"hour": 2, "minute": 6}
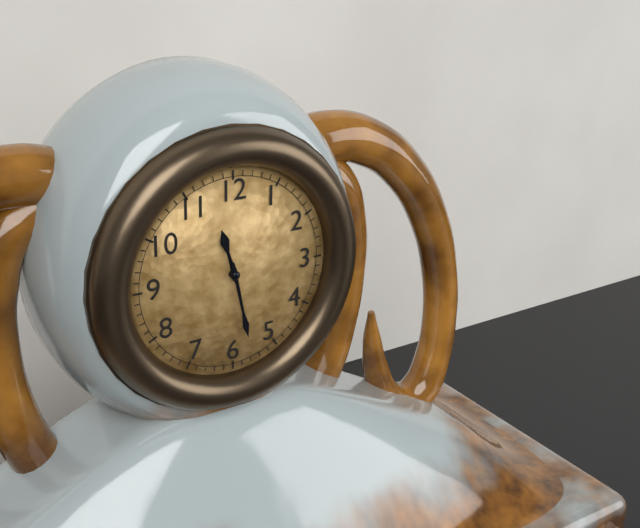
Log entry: {"hour": 11, "minute": 28}
